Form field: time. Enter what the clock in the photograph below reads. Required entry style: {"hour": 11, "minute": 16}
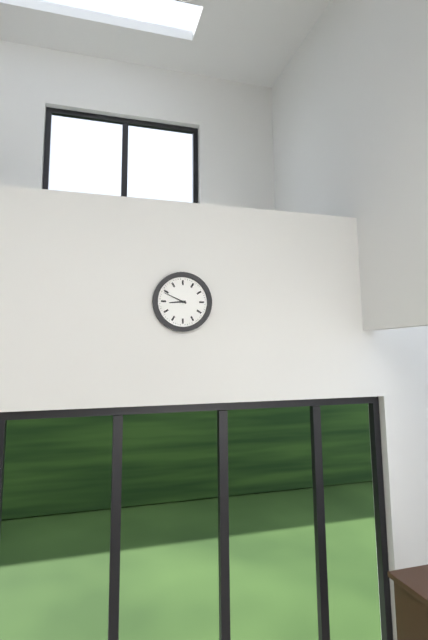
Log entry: {"hour": 8, "minute": 49}
